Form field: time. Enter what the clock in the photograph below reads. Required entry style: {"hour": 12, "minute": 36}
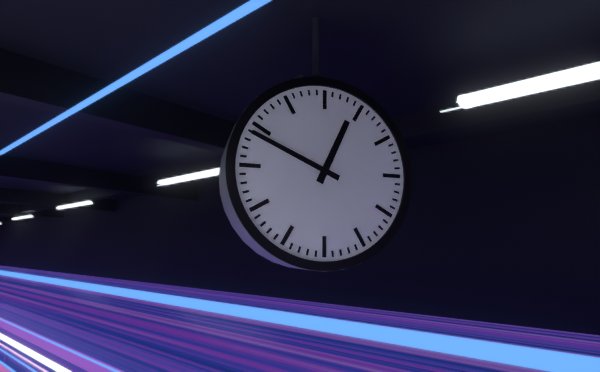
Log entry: {"hour": 12, "minute": 49}
